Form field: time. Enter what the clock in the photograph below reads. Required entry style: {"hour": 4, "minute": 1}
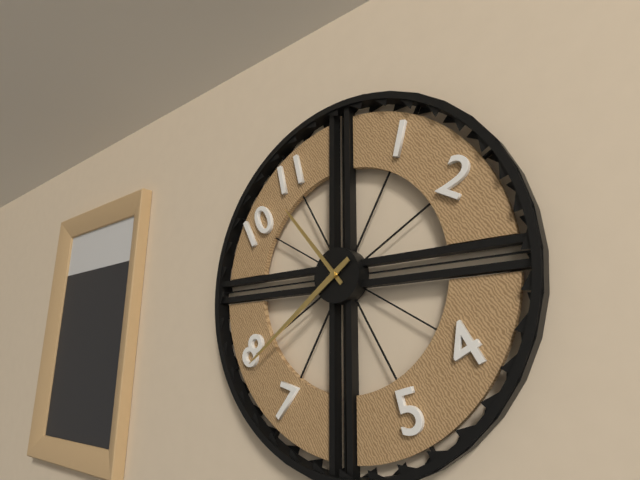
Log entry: {"hour": 10, "minute": 39}
